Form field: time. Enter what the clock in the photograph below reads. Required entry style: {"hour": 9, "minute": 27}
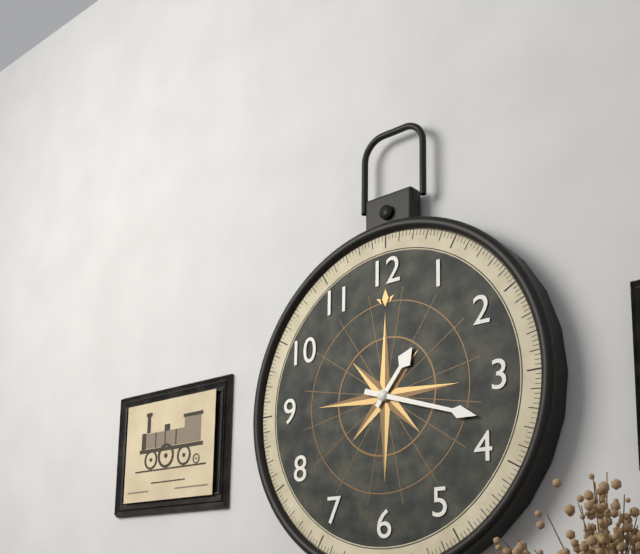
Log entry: {"hour": 1, "minute": 18}
